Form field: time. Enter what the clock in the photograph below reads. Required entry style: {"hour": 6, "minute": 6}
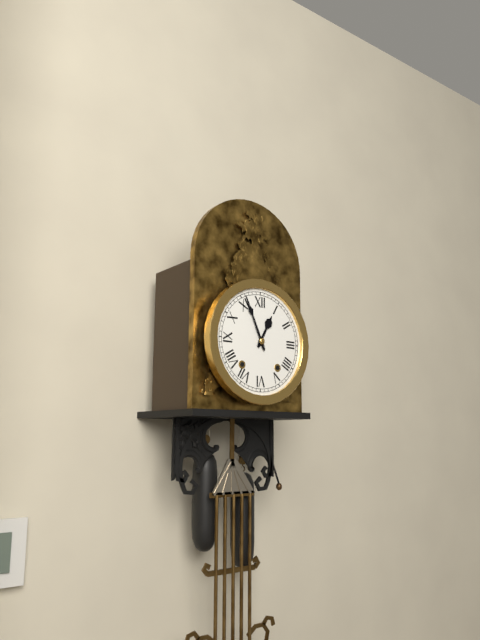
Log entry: {"hour": 12, "minute": 56}
